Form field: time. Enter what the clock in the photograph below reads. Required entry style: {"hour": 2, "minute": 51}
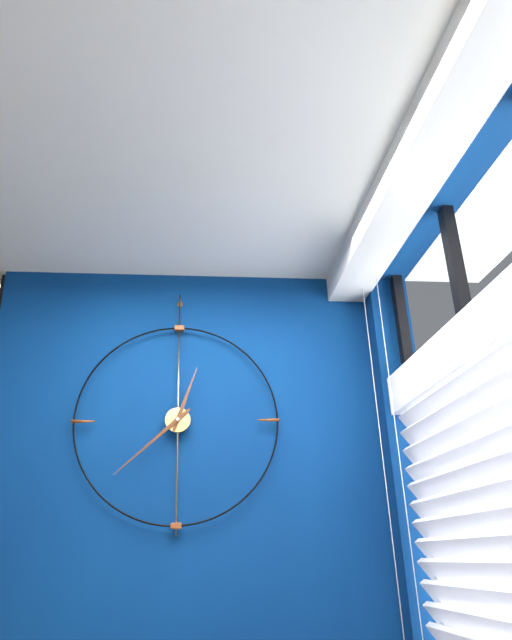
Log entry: {"hour": 12, "minute": 38}
